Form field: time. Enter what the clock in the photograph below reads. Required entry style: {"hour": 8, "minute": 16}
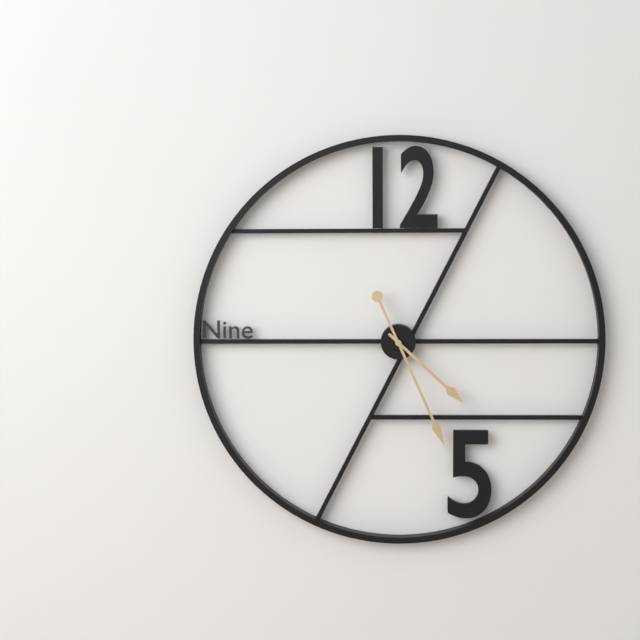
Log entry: {"hour": 4, "minute": 26}
